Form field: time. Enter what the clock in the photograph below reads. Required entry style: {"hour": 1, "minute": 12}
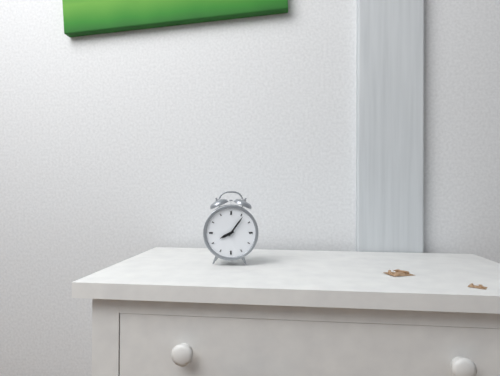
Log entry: {"hour": 8, "minute": 6}
